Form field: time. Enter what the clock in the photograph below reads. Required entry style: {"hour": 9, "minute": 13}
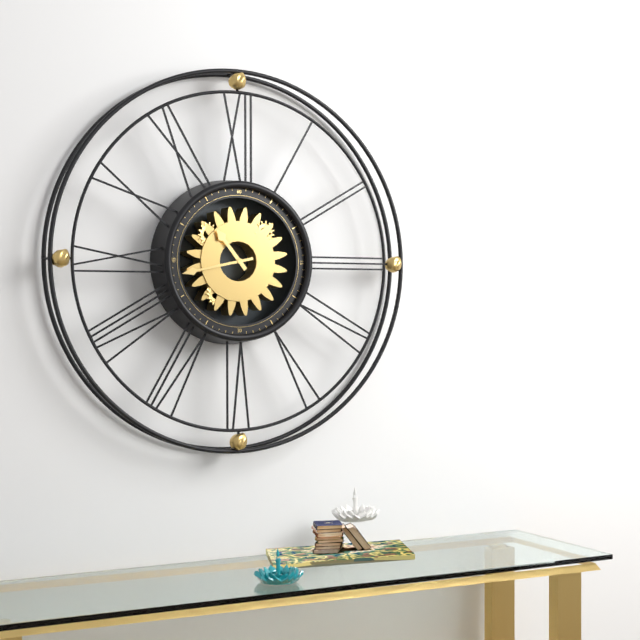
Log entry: {"hour": 10, "minute": 43}
